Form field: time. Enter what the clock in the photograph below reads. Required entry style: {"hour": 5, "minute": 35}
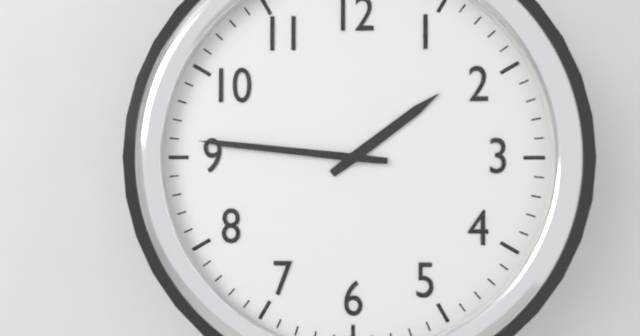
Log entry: {"hour": 1, "minute": 46}
